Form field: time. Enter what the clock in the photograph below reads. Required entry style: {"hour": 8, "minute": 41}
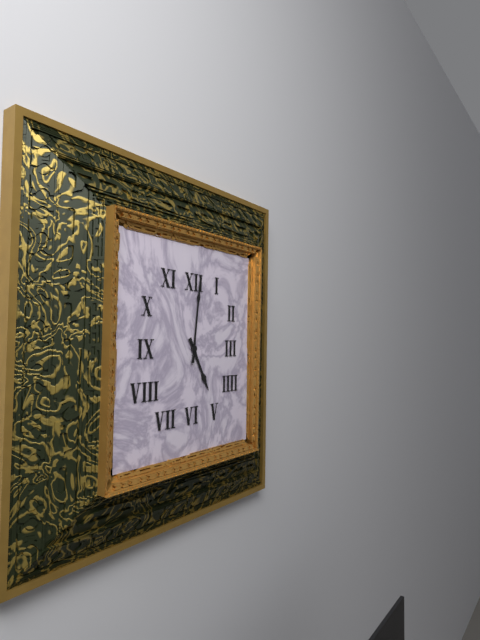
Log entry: {"hour": 5, "minute": 1}
